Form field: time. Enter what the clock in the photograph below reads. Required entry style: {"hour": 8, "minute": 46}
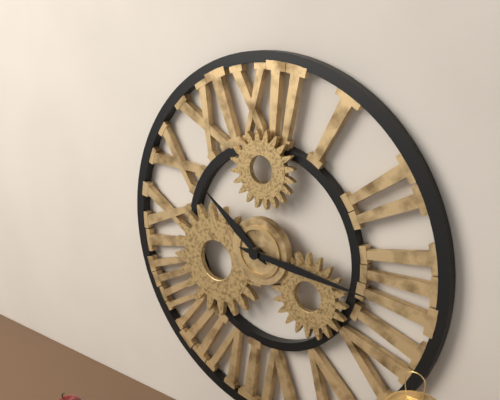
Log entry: {"hour": 10, "minute": 16}
